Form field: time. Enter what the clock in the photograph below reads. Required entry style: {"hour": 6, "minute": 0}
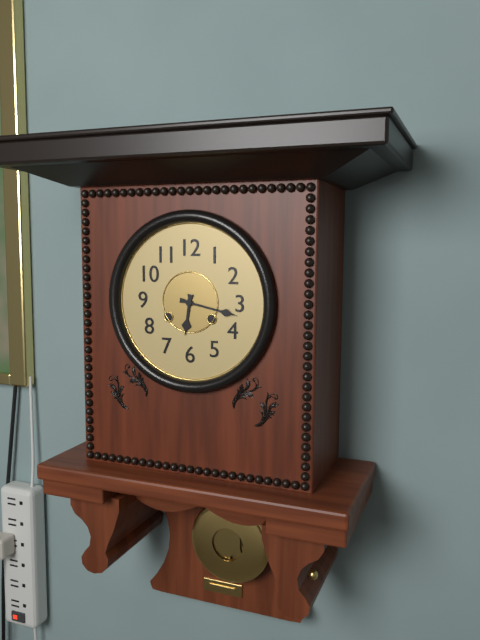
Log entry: {"hour": 6, "minute": 17}
